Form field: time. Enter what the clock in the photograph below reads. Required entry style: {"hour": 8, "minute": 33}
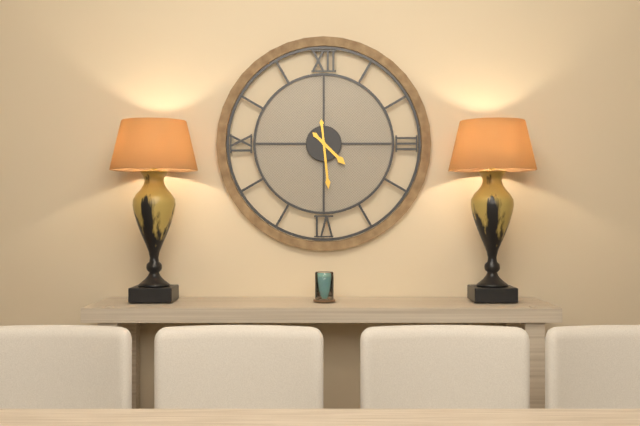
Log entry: {"hour": 4, "minute": 29}
